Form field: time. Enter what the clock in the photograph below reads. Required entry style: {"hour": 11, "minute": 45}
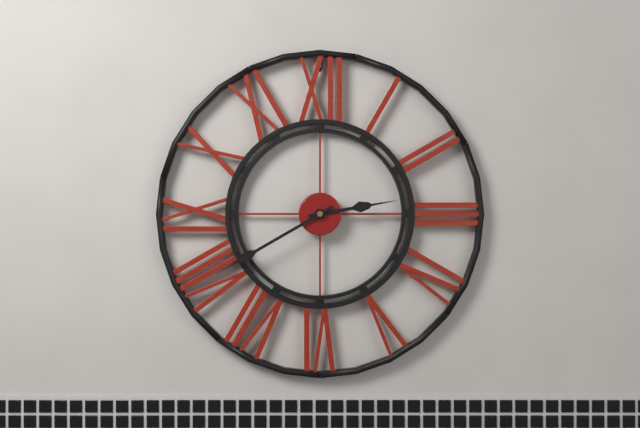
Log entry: {"hour": 2, "minute": 40}
